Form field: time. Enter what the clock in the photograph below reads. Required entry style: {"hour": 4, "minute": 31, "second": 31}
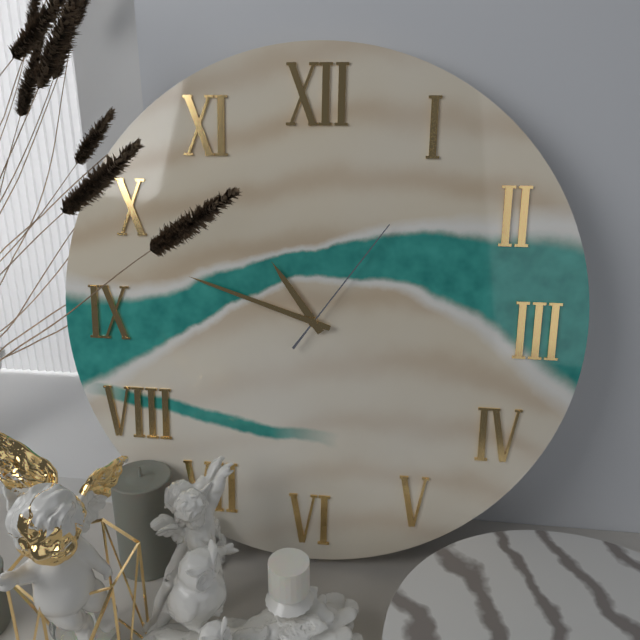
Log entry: {"hour": 10, "minute": 48, "second": 6}
